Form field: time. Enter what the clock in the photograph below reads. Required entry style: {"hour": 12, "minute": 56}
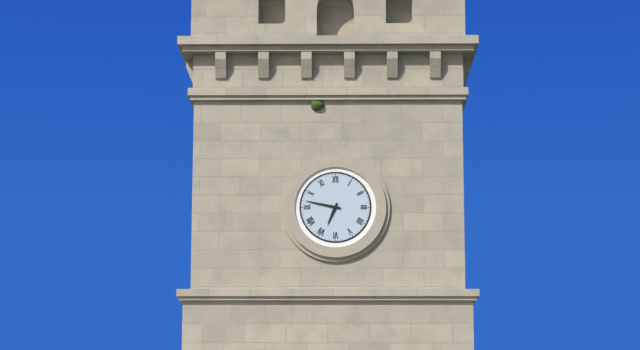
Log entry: {"hour": 6, "minute": 47}
